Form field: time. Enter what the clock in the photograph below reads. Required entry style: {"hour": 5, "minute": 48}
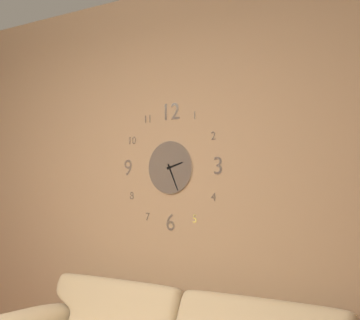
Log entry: {"hour": 2, "minute": 26}
